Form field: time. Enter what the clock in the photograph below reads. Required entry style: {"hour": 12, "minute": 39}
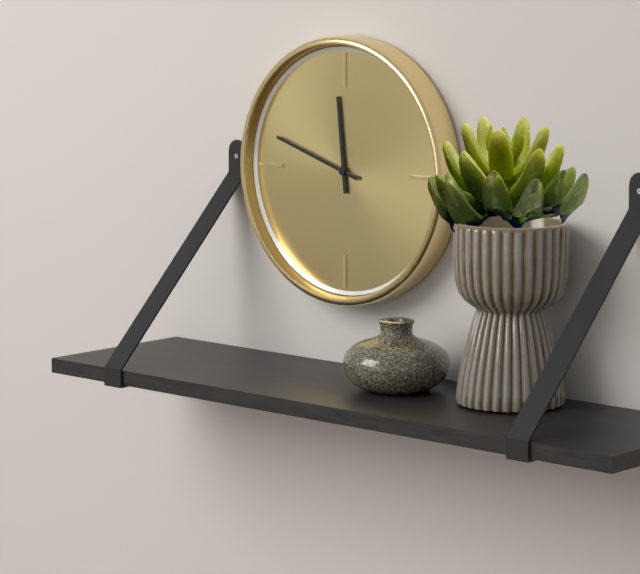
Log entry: {"hour": 11, "minute": 48}
